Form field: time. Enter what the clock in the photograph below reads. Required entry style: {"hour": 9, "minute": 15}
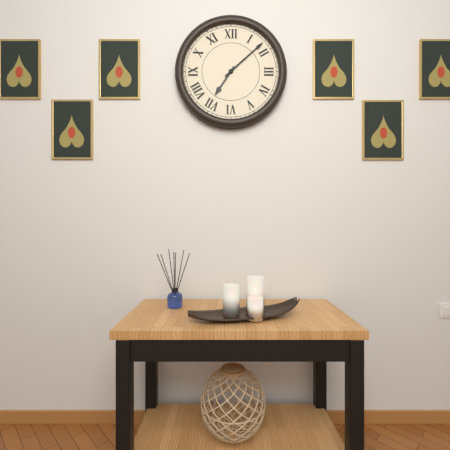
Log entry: {"hour": 7, "minute": 8}
